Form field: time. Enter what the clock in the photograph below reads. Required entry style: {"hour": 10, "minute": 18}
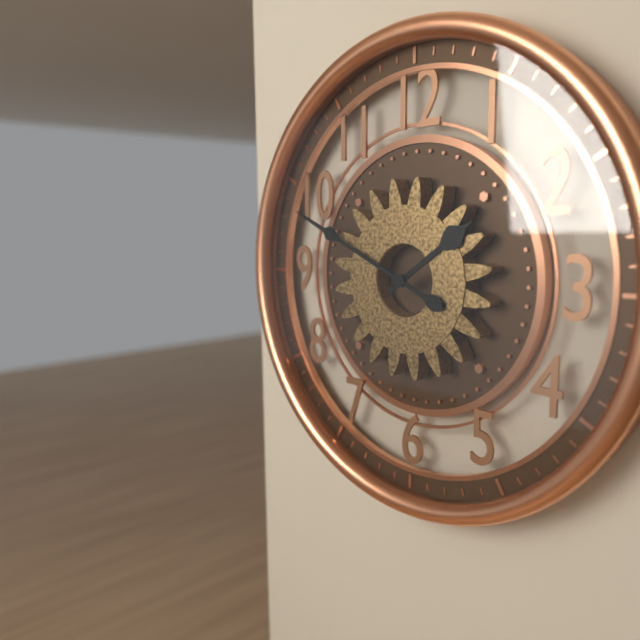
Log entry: {"hour": 1, "minute": 49}
